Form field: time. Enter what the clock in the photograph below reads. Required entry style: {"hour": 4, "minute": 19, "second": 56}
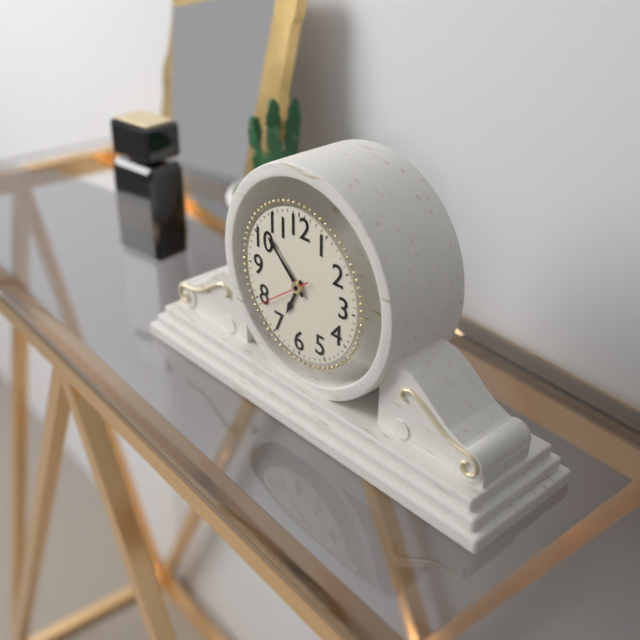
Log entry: {"hour": 6, "minute": 52, "second": 39}
